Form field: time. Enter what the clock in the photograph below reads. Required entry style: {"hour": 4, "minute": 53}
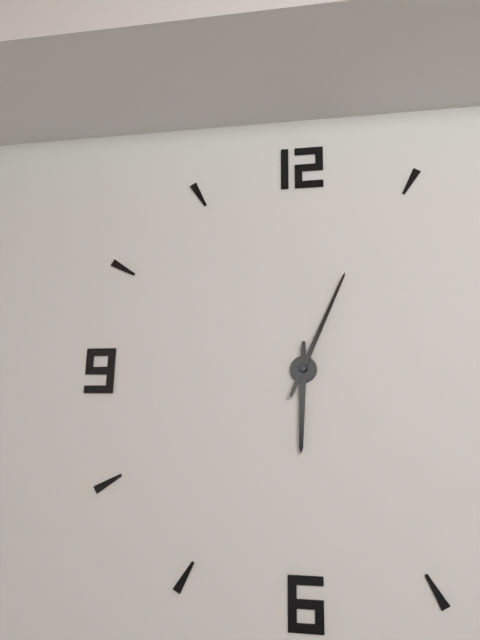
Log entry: {"hour": 6, "minute": 4}
